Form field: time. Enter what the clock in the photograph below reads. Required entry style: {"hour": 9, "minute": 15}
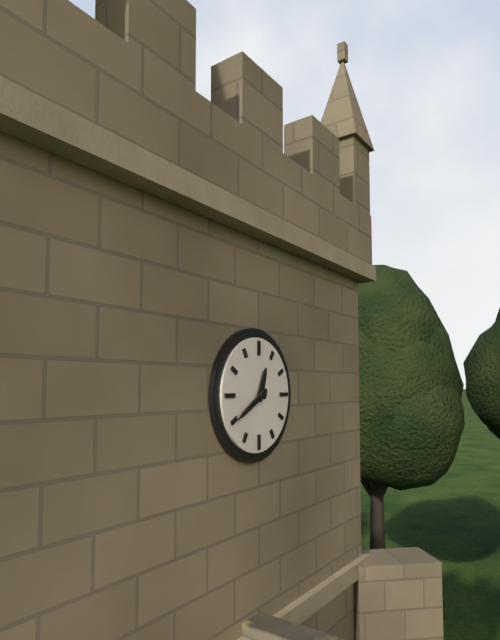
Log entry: {"hour": 12, "minute": 40}
